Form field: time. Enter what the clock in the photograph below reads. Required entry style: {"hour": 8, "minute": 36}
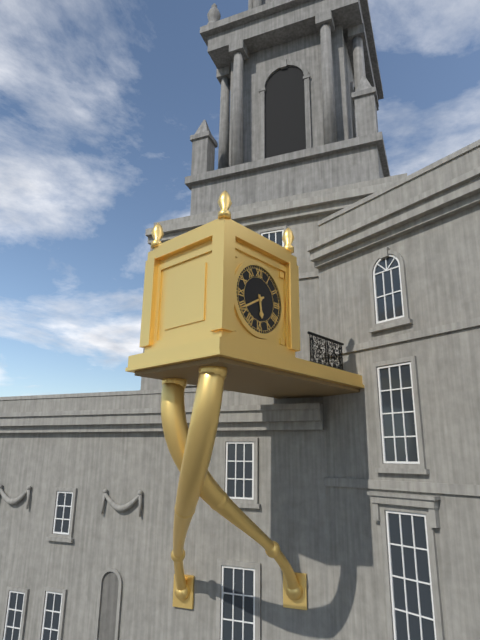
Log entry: {"hour": 5, "minute": 40}
